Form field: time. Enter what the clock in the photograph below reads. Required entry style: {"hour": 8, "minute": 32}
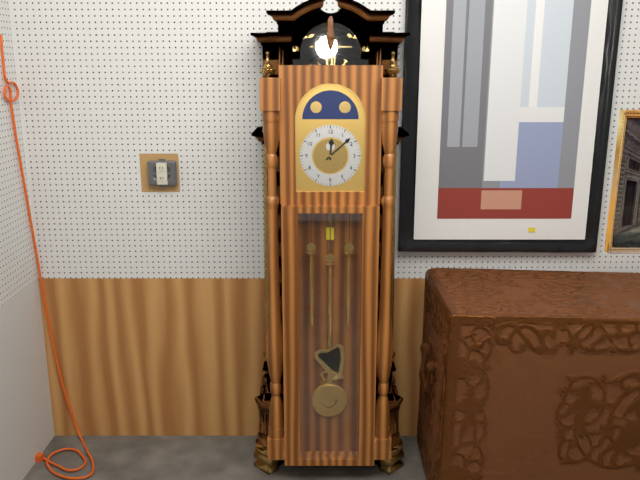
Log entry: {"hour": 12, "minute": 8}
